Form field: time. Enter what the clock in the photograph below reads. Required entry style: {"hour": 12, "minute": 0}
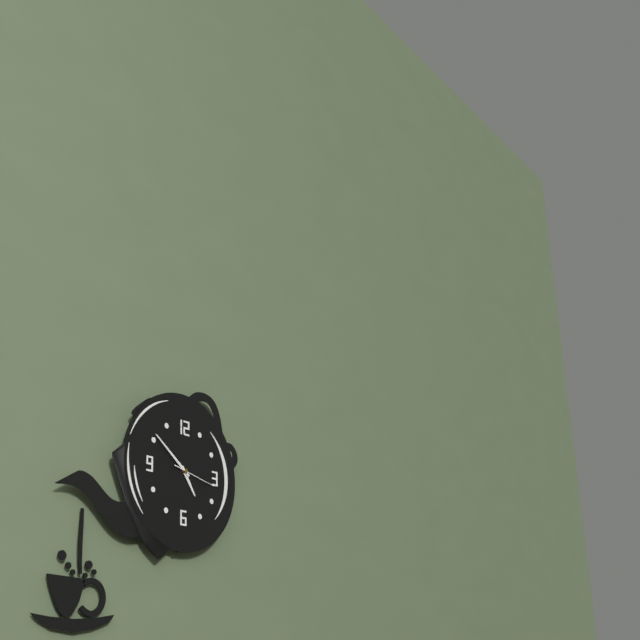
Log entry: {"hour": 4, "minute": 51}
